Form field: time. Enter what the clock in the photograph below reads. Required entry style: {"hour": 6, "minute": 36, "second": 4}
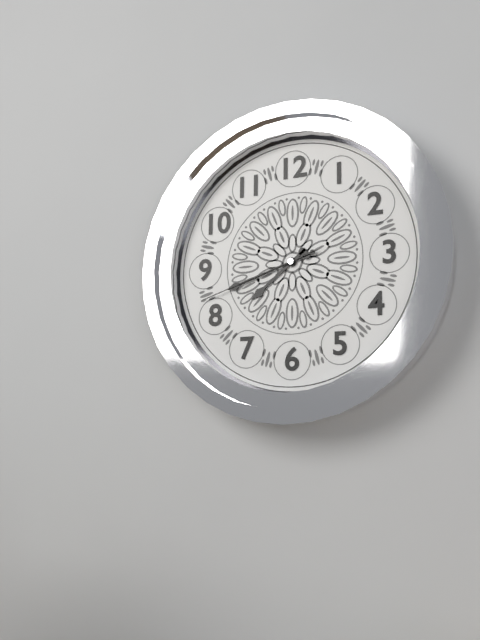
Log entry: {"hour": 7, "minute": 42, "second": 42}
